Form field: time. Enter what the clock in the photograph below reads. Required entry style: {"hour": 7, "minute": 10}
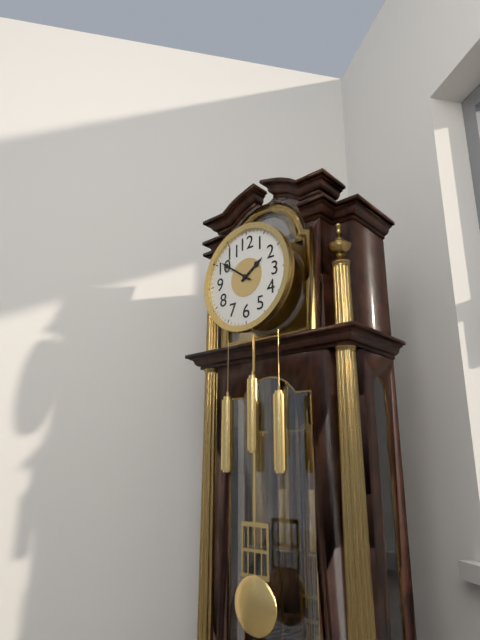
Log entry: {"hour": 1, "minute": 51}
